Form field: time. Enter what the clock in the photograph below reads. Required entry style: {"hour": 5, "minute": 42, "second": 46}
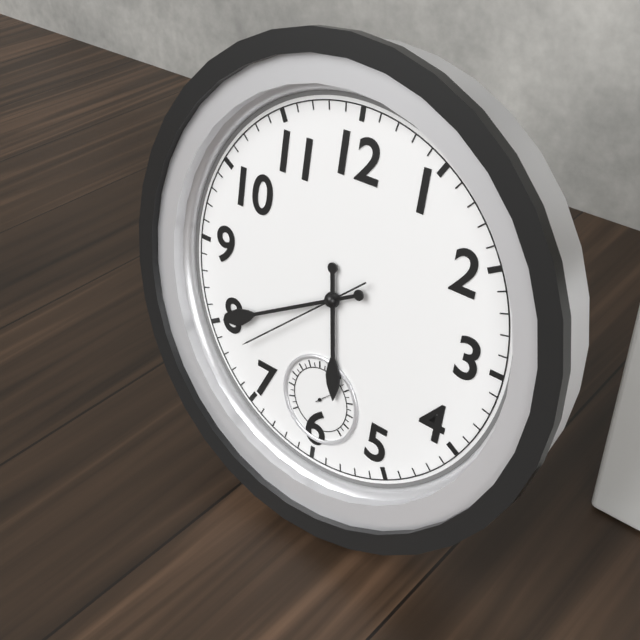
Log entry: {"hour": 5, "minute": 40, "second": 38}
